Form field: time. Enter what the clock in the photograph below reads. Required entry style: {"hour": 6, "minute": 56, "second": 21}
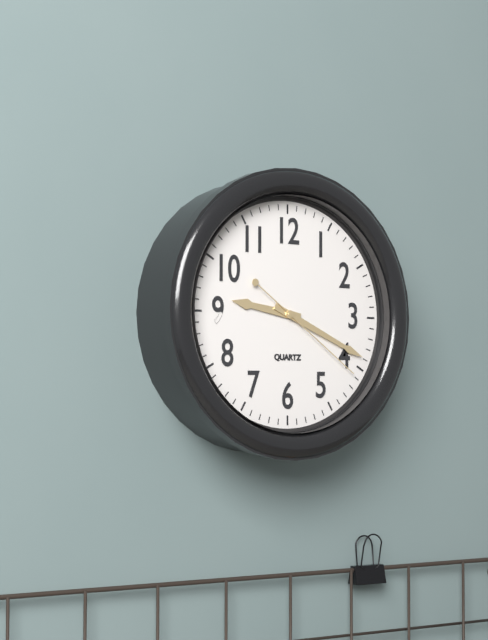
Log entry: {"hour": 9, "minute": 19, "second": 21}
